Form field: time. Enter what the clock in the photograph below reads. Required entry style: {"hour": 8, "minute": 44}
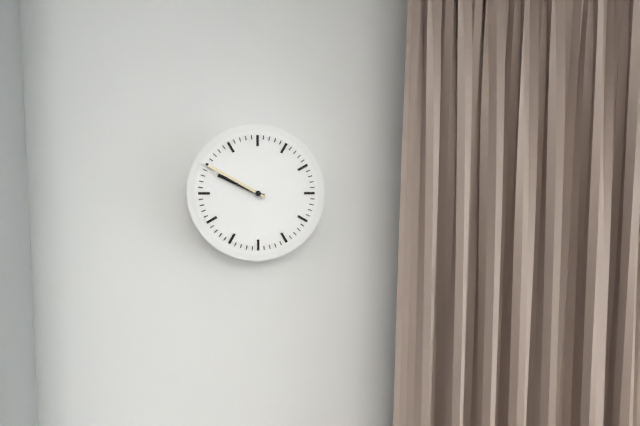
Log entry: {"hour": 9, "minute": 50}
